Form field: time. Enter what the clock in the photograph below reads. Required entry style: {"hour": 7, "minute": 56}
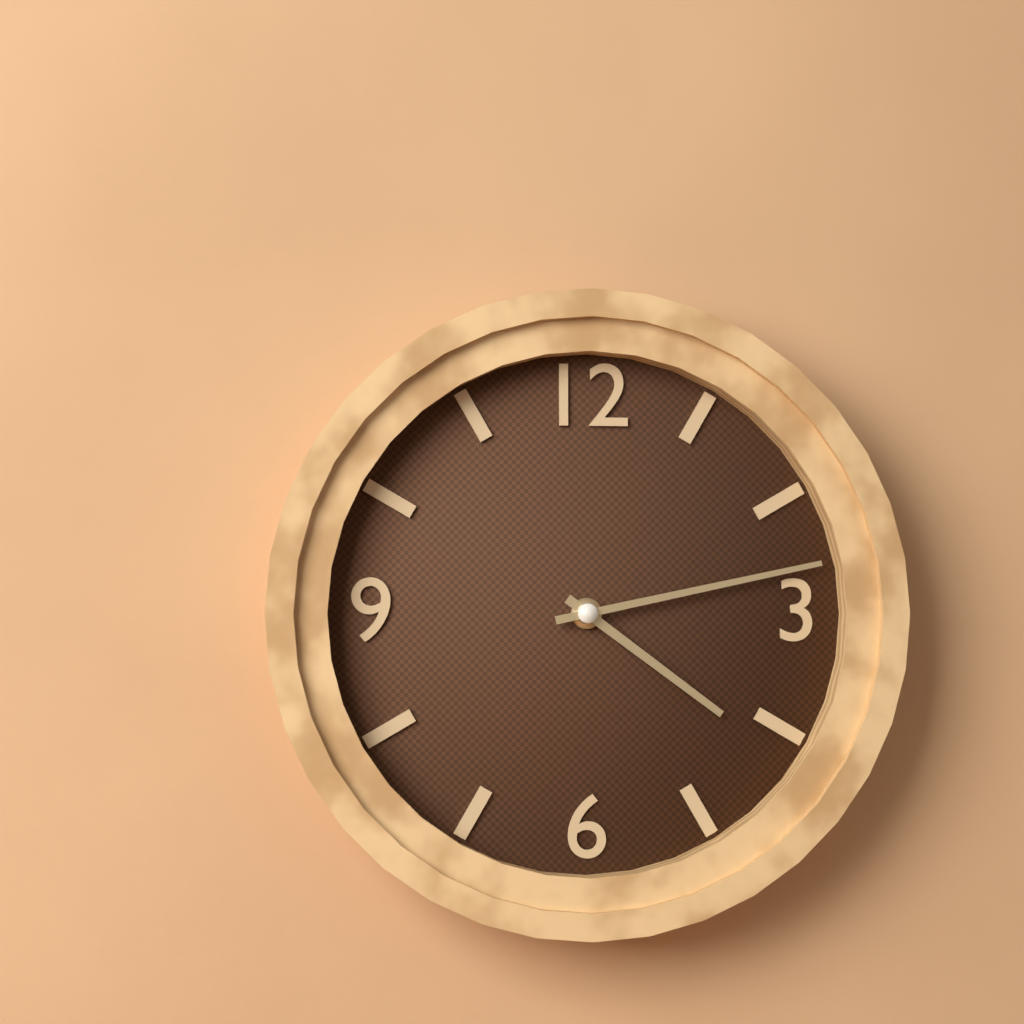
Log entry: {"hour": 4, "minute": 13}
